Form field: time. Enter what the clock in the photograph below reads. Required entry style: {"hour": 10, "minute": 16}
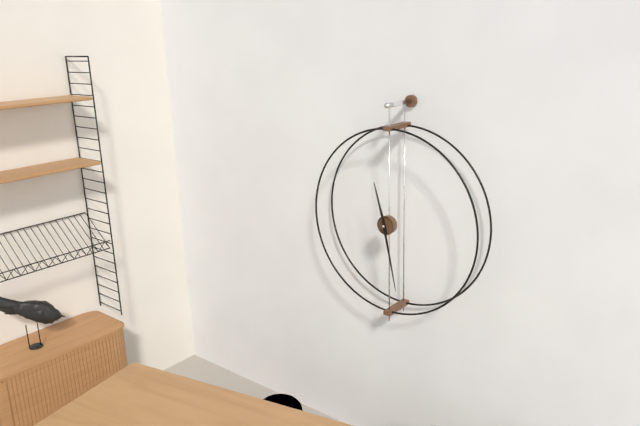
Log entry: {"hour": 11, "minute": 28}
